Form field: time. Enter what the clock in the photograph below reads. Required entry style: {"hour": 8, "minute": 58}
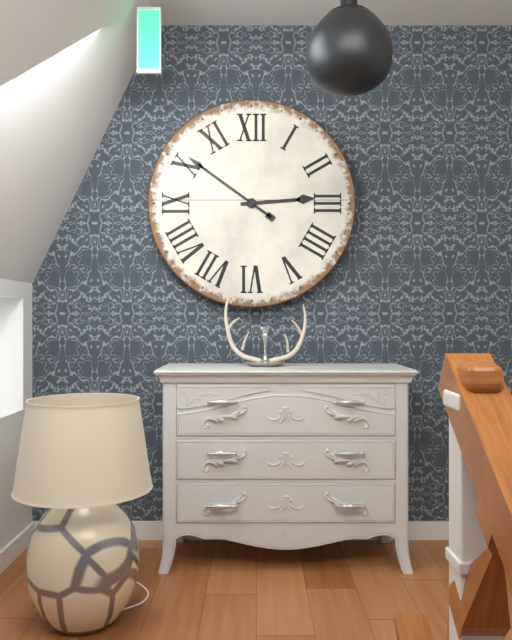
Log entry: {"hour": 2, "minute": 51}
